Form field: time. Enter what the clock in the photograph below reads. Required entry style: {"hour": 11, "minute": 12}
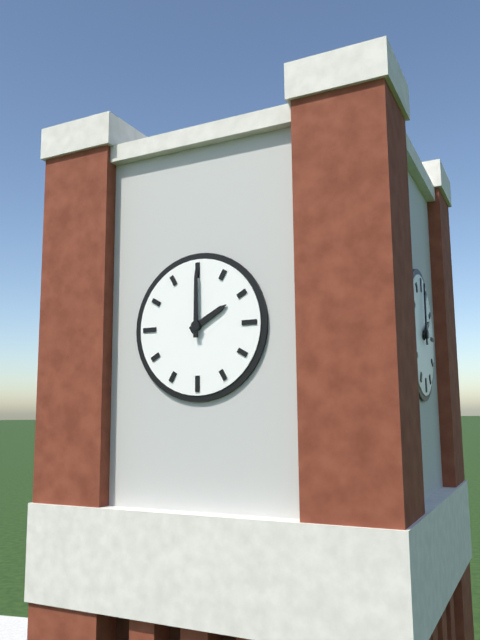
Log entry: {"hour": 2, "minute": 0}
